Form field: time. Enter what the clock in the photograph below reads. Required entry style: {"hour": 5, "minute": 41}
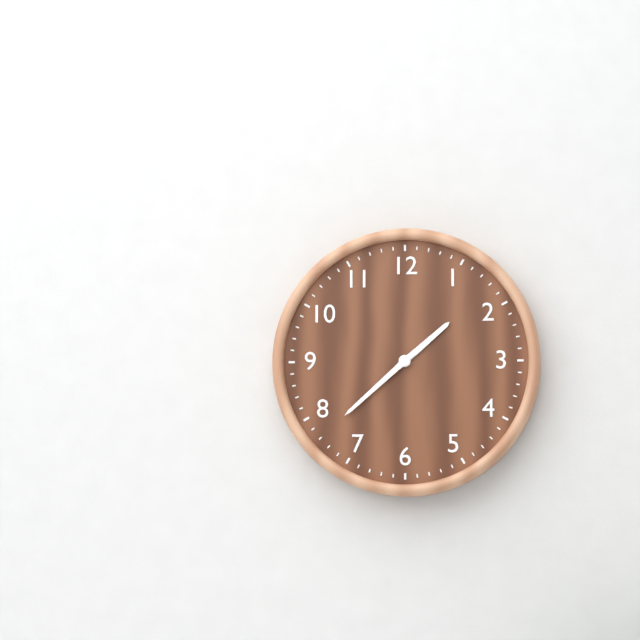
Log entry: {"hour": 1, "minute": 38}
